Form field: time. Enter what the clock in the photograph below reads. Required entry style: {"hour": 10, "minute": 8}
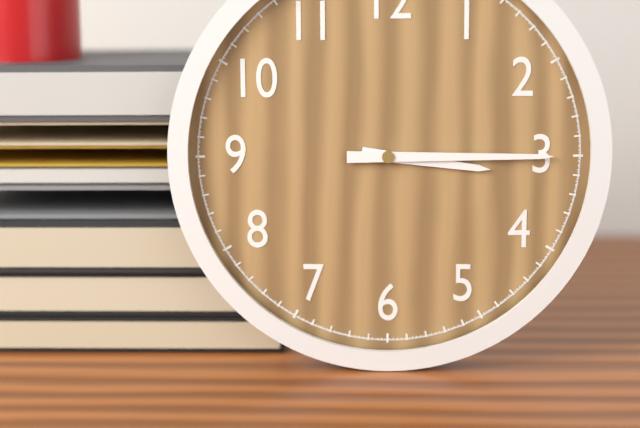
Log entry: {"hour": 3, "minute": 15}
